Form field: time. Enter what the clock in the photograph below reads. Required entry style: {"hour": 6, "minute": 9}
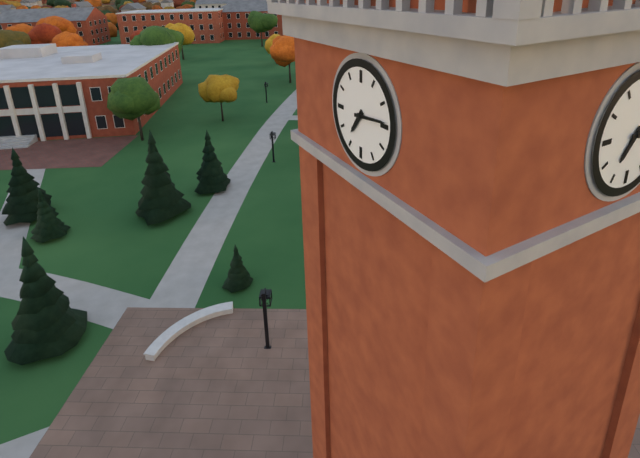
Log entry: {"hour": 7, "minute": 14}
